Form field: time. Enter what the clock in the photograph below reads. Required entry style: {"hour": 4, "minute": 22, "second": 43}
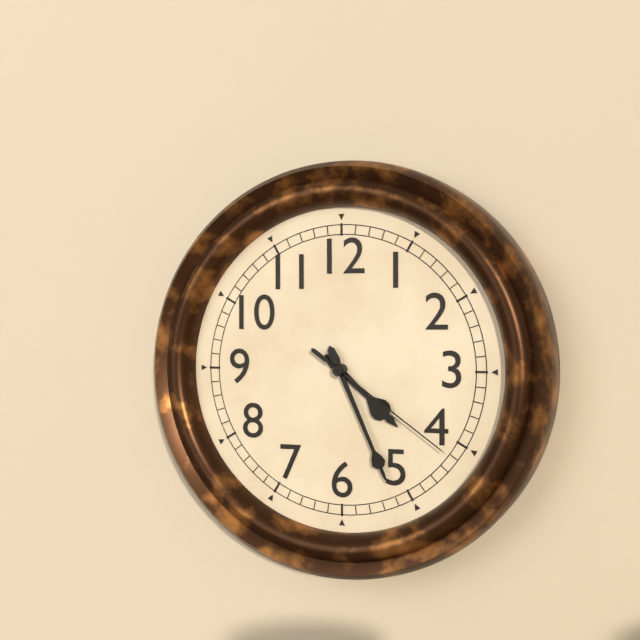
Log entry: {"hour": 4, "minute": 26, "second": 21}
